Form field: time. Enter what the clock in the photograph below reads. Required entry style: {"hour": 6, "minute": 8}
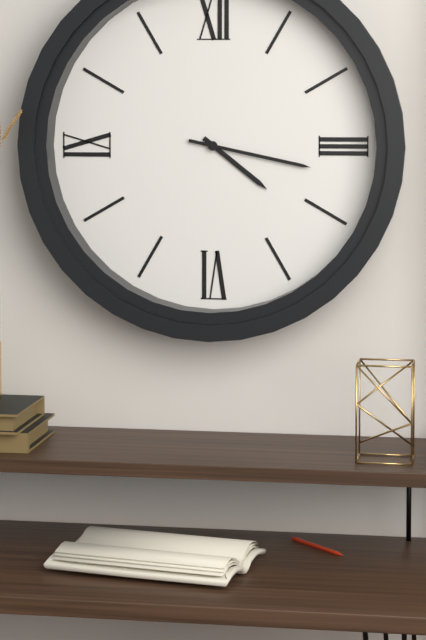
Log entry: {"hour": 4, "minute": 17}
